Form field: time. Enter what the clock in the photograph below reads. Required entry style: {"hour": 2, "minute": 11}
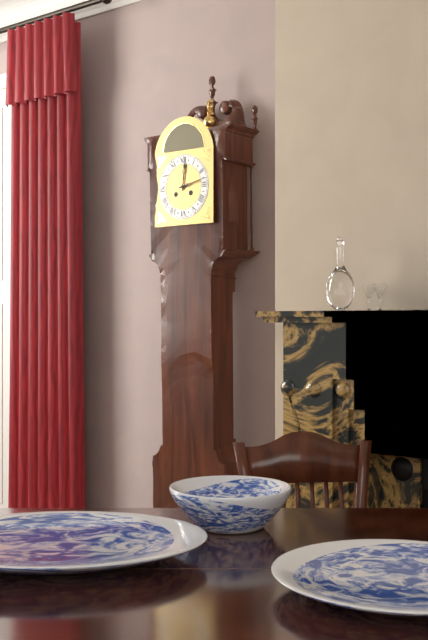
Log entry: {"hour": 12, "minute": 13}
